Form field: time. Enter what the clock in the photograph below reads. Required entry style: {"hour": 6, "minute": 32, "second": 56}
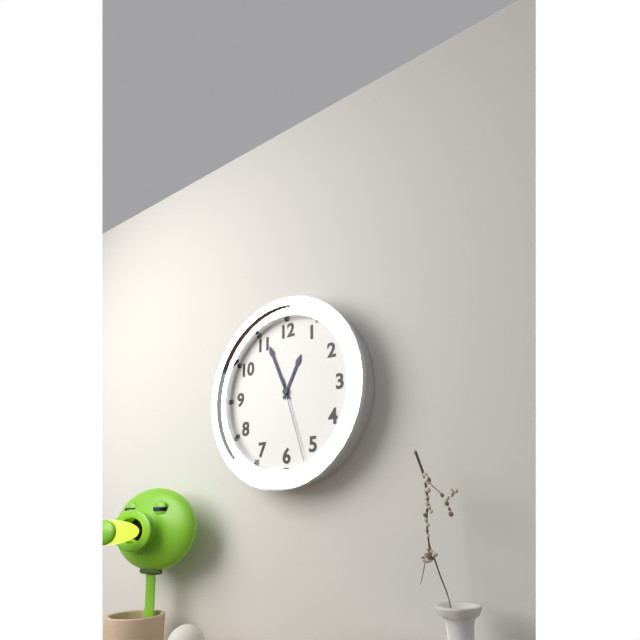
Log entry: {"hour": 12, "minute": 56, "second": 27}
